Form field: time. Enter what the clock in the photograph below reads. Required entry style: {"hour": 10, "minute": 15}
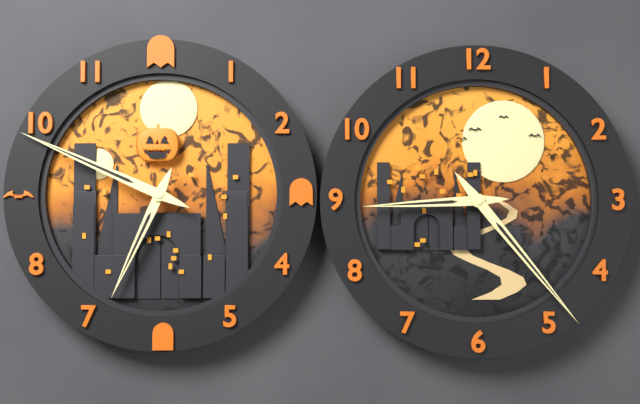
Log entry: {"hour": 6, "minute": 49}
